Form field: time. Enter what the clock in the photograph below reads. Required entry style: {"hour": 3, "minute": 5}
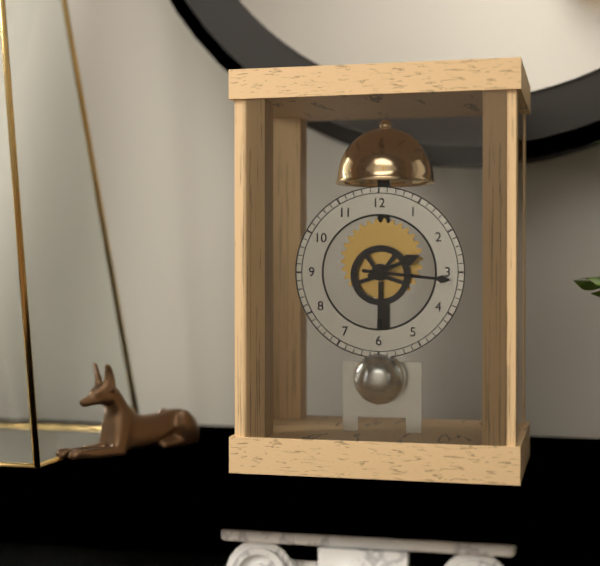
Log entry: {"hour": 2, "minute": 16}
